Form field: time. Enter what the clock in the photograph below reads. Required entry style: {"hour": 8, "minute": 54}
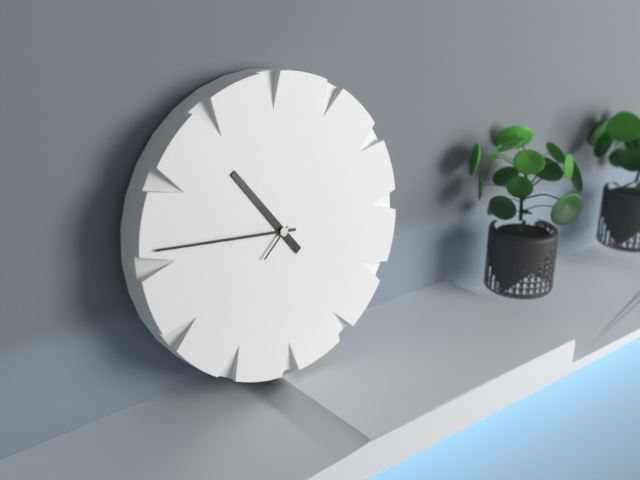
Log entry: {"hour": 10, "minute": 46}
